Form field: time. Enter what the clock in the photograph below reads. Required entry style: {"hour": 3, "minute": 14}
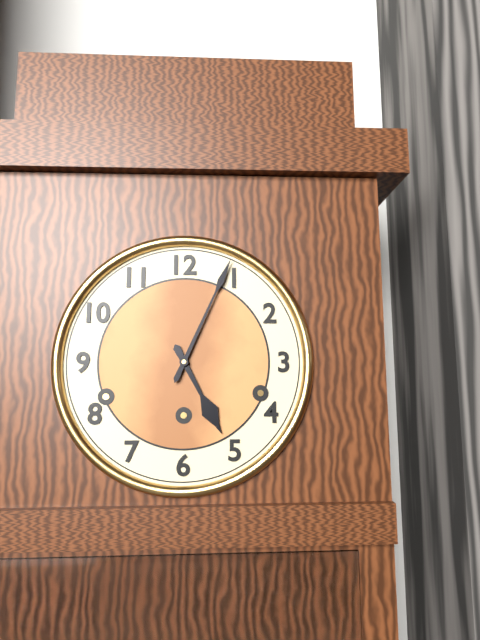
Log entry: {"hour": 5, "minute": 4}
